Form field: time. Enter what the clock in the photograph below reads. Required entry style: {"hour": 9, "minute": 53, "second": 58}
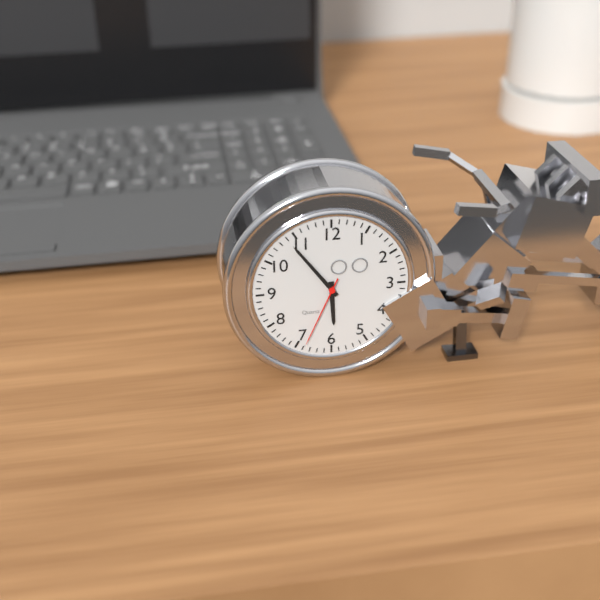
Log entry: {"hour": 5, "minute": 54, "second": 34}
